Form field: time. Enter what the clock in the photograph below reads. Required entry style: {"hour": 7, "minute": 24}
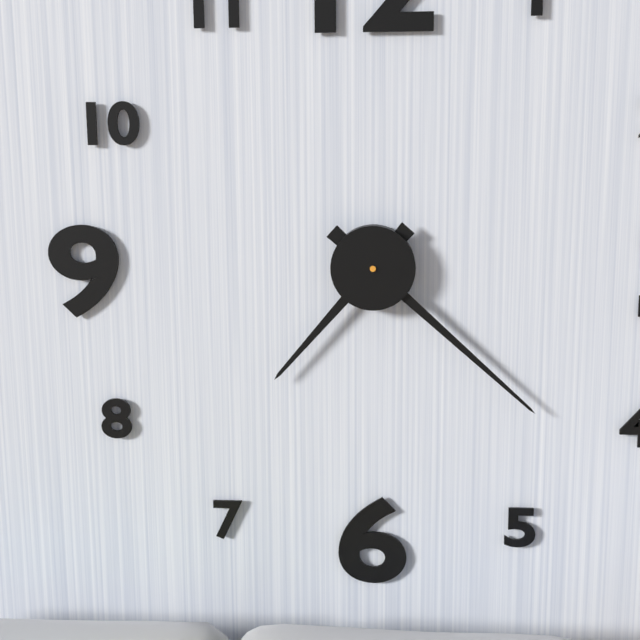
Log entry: {"hour": 7, "minute": 22}
